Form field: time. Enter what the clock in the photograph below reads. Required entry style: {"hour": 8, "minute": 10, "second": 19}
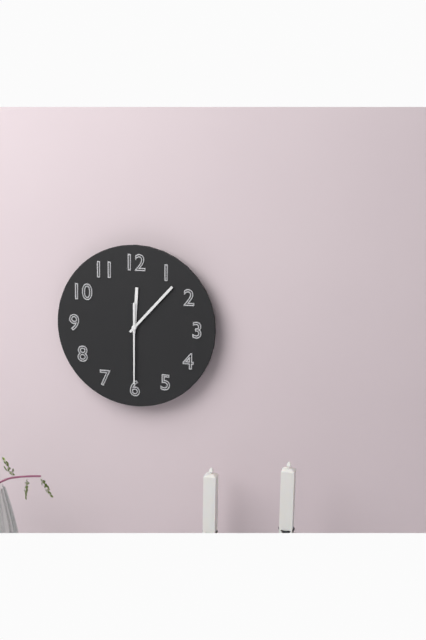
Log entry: {"hour": 12, "minute": 7, "second": 30}
